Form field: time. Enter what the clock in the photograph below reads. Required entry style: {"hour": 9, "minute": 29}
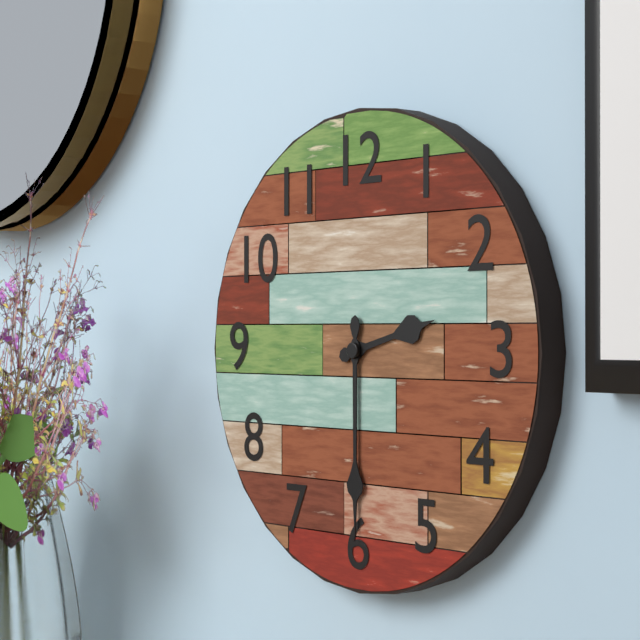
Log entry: {"hour": 2, "minute": 30}
